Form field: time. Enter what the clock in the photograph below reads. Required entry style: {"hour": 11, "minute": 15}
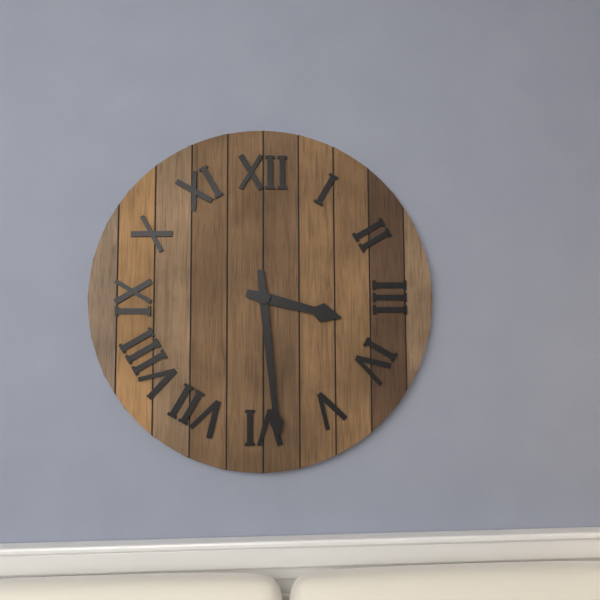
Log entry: {"hour": 3, "minute": 29}
